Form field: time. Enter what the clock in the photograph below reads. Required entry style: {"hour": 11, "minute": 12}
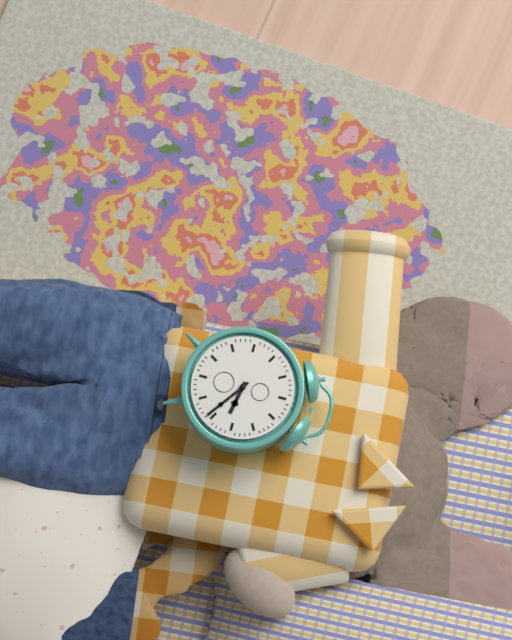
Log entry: {"hour": 3, "minute": 21}
